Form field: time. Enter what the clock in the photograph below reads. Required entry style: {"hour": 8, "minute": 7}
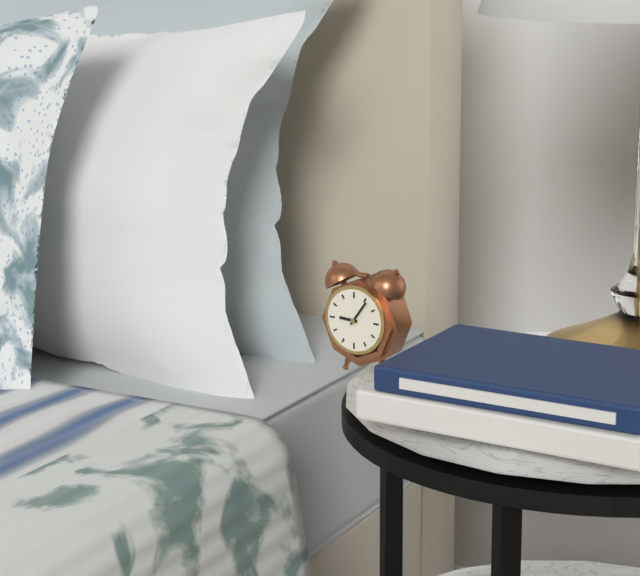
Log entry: {"hour": 9, "minute": 6}
